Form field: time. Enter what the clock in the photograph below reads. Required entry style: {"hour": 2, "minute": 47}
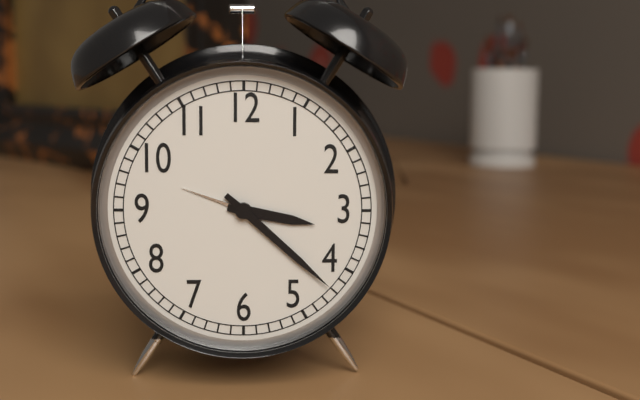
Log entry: {"hour": 3, "minute": 22}
